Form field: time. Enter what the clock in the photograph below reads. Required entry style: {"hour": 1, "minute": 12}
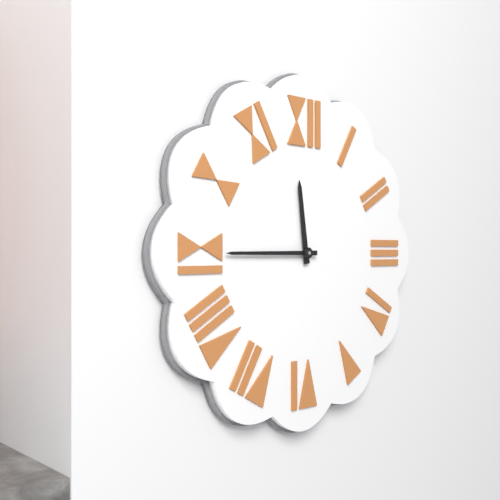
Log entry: {"hour": 11, "minute": 45}
